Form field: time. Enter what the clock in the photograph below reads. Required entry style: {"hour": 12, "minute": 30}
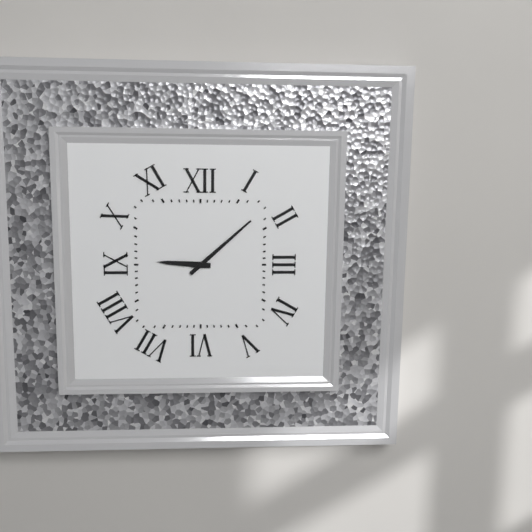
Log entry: {"hour": 9, "minute": 8}
